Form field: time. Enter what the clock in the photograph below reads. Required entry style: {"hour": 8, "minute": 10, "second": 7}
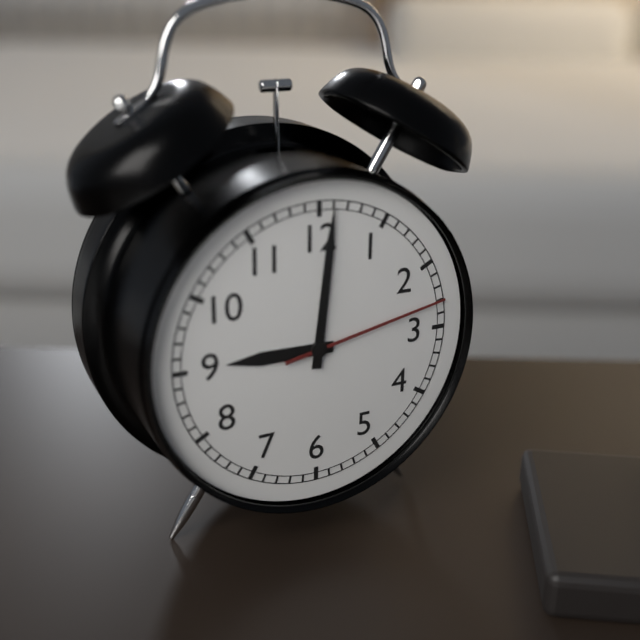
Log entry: {"hour": 9, "minute": 1, "second": 13}
